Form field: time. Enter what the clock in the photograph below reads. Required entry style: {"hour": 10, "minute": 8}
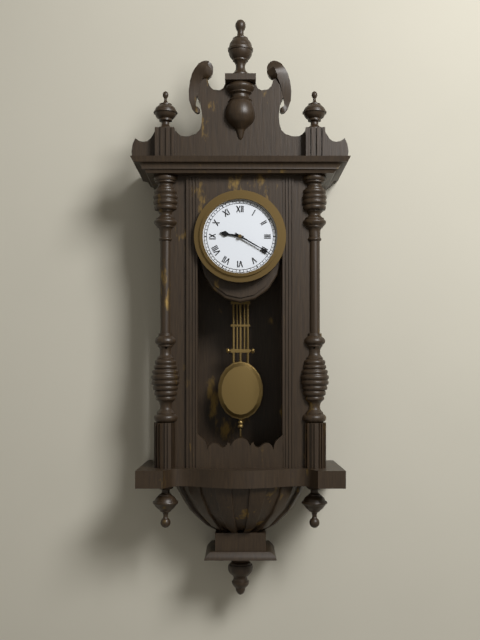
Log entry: {"hour": 9, "minute": 20}
